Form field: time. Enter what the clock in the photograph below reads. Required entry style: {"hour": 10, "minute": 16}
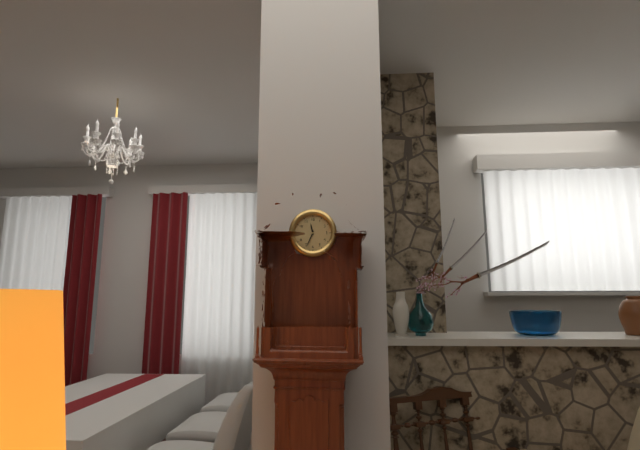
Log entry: {"hour": 11, "minute": 34}
